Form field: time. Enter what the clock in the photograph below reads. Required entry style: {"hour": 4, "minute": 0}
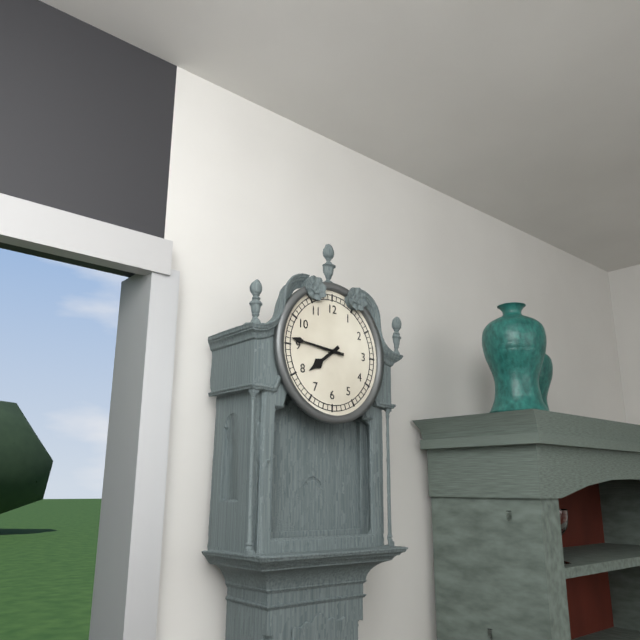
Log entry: {"hour": 7, "minute": 46}
